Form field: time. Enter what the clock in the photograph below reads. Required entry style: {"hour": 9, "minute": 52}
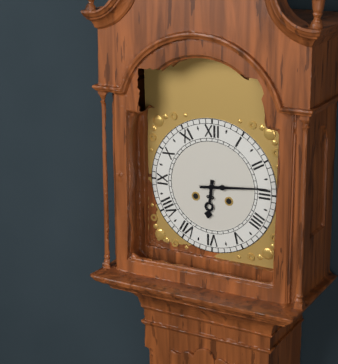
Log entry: {"hour": 6, "minute": 14}
